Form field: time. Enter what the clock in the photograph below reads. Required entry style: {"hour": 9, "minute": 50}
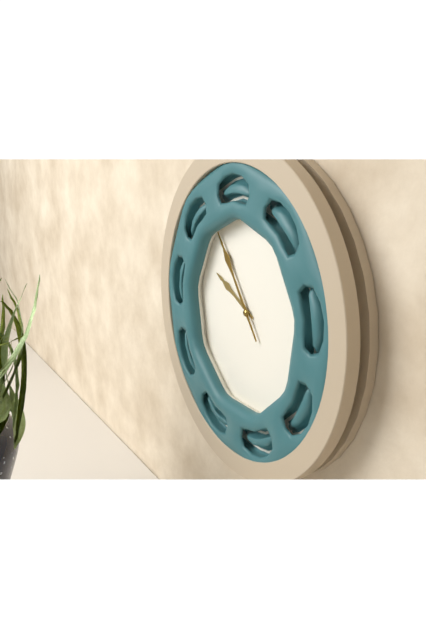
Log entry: {"hour": 9, "minute": 54}
